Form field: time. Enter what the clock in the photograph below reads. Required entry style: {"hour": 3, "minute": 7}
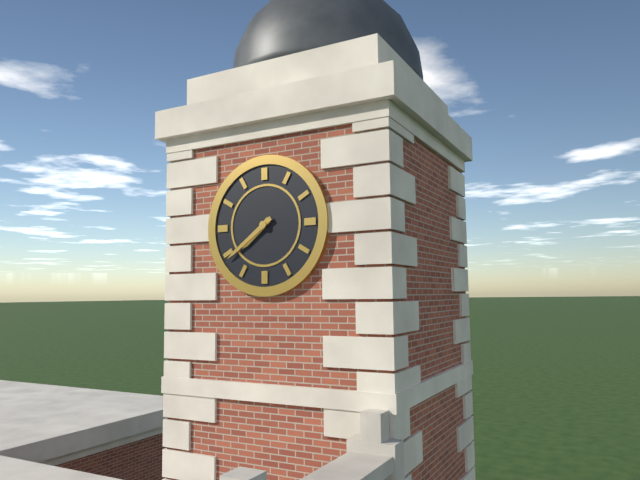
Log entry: {"hour": 7, "minute": 39}
